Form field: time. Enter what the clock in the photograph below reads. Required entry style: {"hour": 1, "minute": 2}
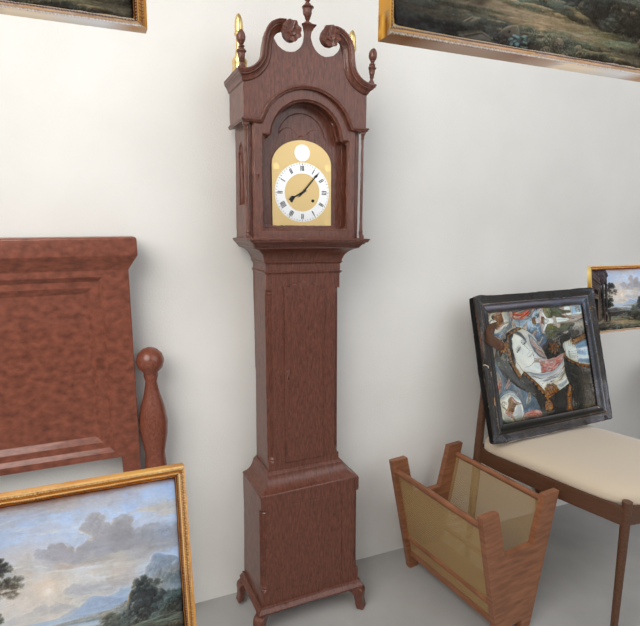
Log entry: {"hour": 8, "minute": 7}
